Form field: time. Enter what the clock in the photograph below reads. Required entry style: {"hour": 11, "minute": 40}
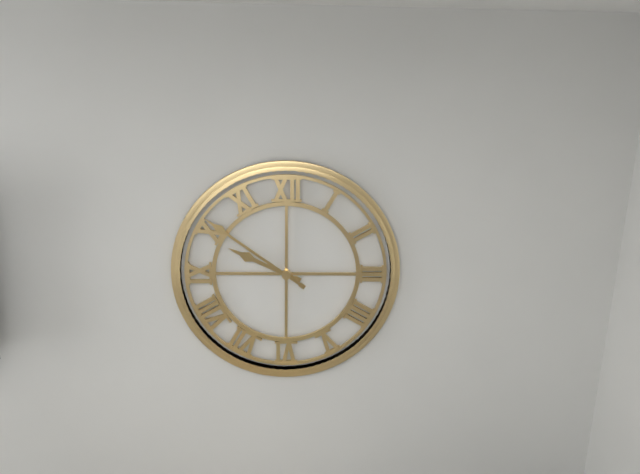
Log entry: {"hour": 9, "minute": 51}
